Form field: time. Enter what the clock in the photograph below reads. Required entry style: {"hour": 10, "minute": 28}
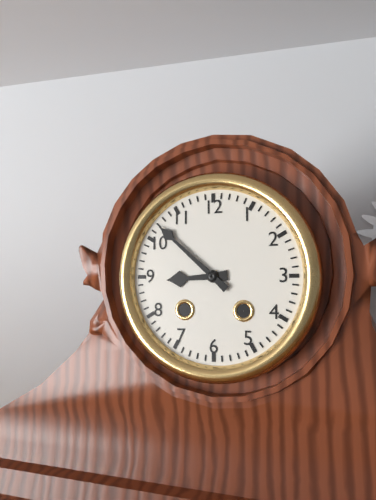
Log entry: {"hour": 8, "minute": 52}
